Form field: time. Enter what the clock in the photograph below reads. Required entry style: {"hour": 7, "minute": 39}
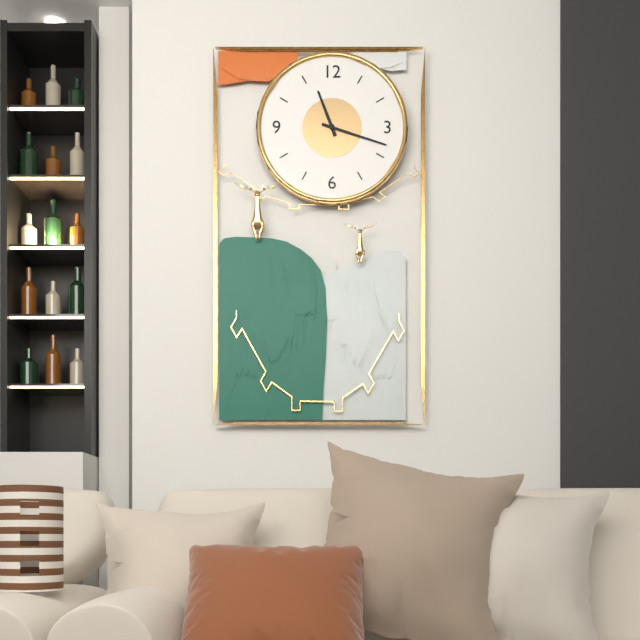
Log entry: {"hour": 11, "minute": 18}
